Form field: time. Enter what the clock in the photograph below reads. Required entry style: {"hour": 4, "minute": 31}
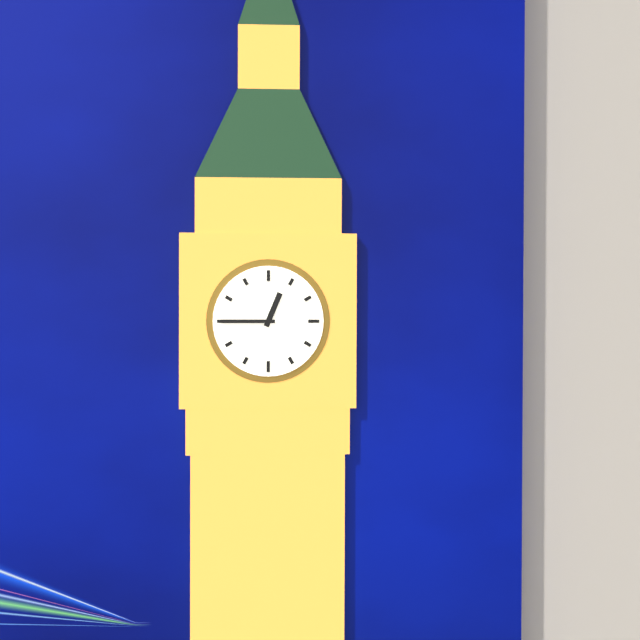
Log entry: {"hour": 12, "minute": 45}
